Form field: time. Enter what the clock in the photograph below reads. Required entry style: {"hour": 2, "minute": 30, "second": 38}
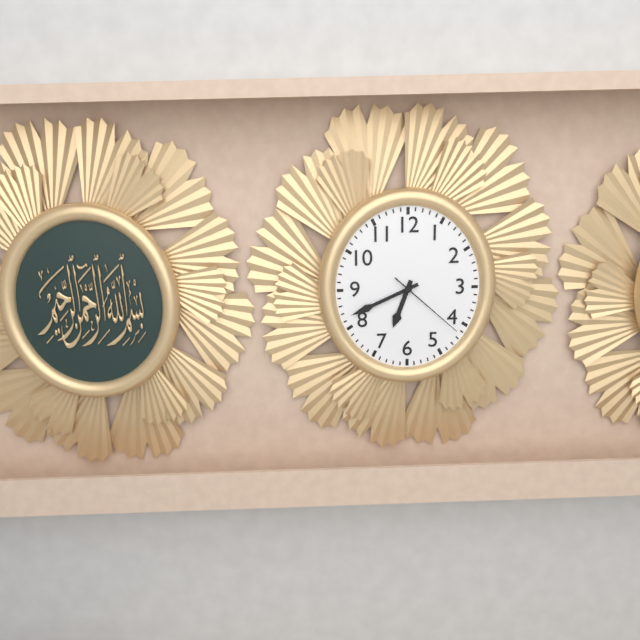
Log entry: {"hour": 6, "minute": 41, "second": 22}
